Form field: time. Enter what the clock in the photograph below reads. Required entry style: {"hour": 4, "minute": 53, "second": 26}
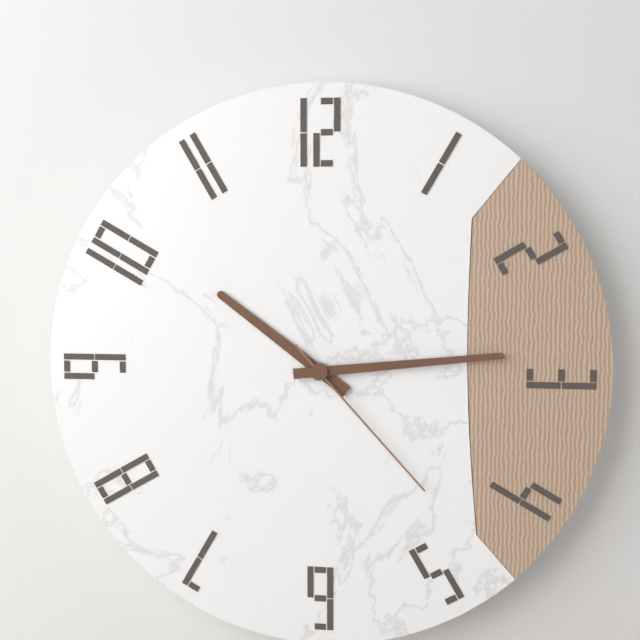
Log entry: {"hour": 10, "minute": 14, "second": 23}
